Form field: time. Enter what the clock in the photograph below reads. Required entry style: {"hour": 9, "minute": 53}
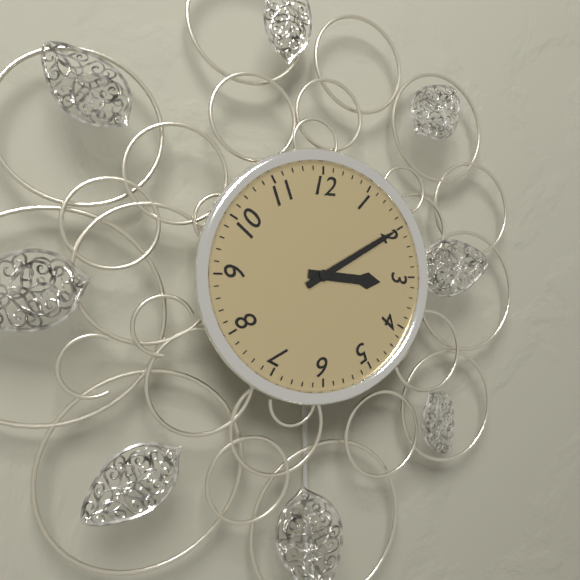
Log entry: {"hour": 3, "minute": 10}
